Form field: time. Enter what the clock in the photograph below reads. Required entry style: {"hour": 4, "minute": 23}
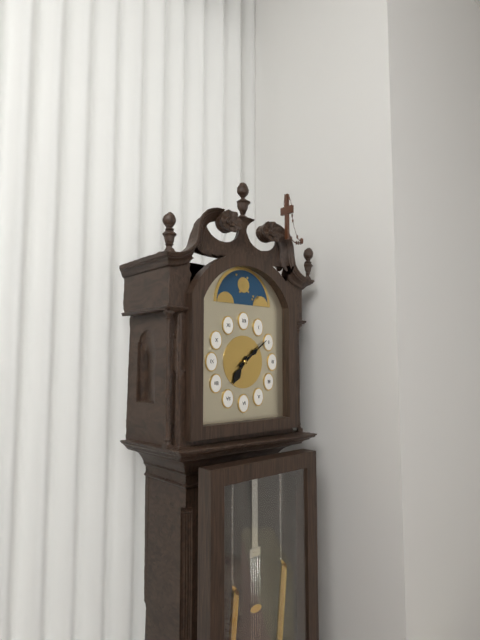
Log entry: {"hour": 7, "minute": 9}
